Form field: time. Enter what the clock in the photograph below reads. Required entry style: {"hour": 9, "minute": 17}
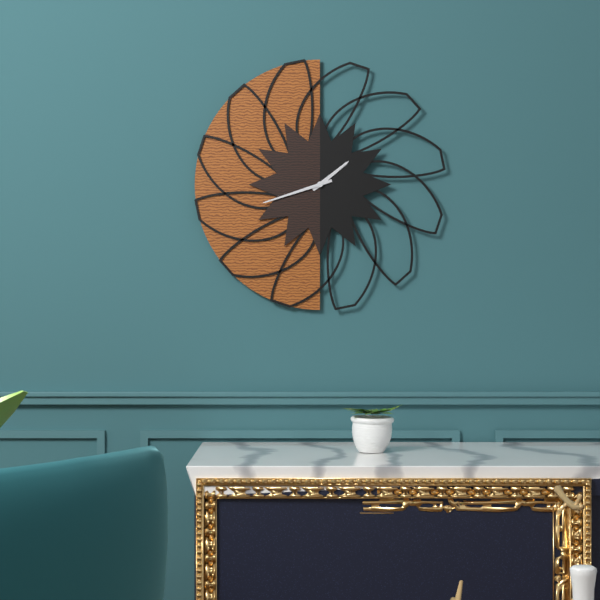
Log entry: {"hour": 1, "minute": 42}
